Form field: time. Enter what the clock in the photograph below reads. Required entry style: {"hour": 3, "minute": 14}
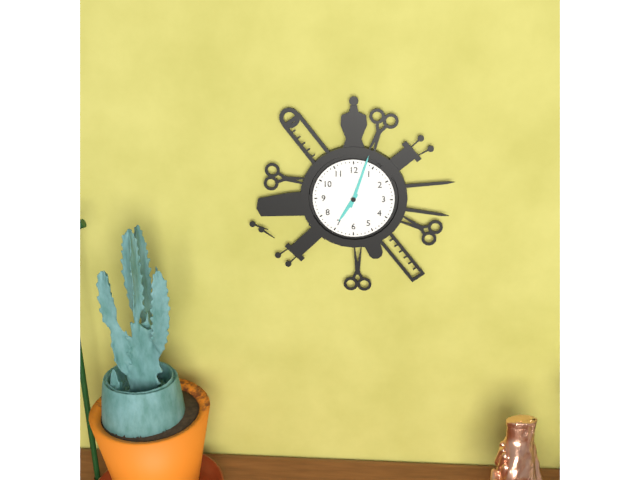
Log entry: {"hour": 7, "minute": 3}
